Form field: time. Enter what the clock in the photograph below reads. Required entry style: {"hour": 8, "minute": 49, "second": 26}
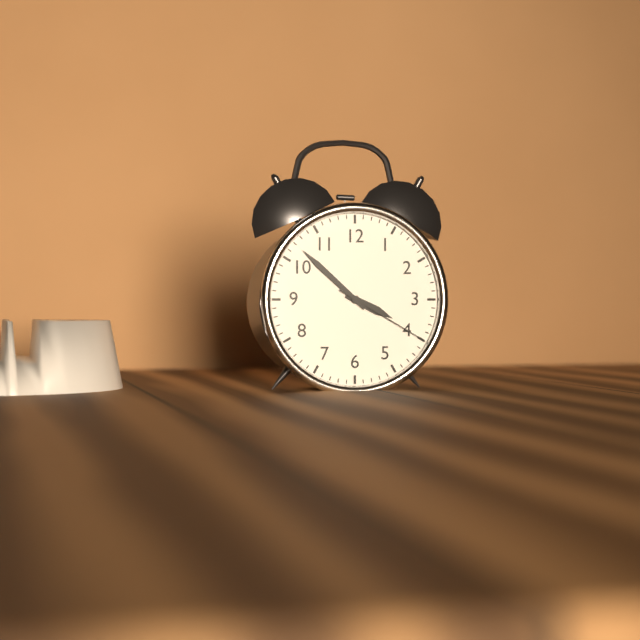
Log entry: {"hour": 3, "minute": 52, "second": 20}
